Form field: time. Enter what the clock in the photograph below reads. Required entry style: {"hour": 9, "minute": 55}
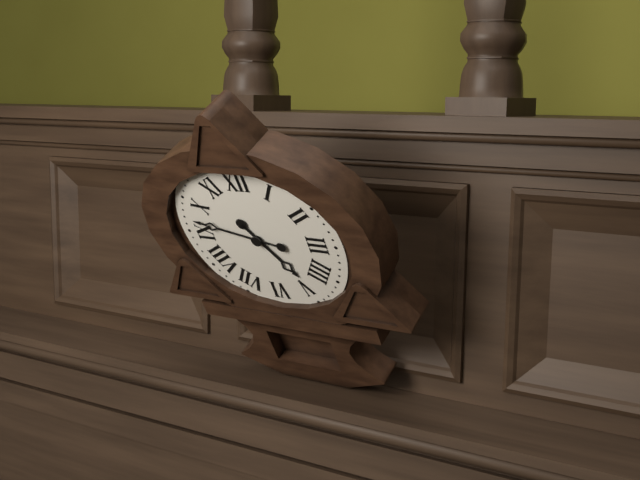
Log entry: {"hour": 4, "minute": 47}
